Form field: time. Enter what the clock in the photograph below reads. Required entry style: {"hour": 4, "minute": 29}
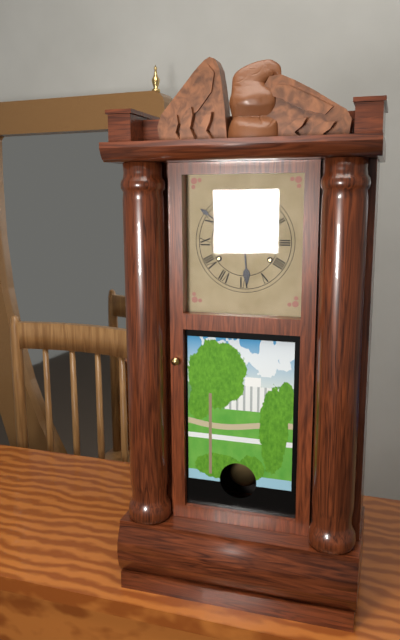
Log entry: {"hour": 5, "minute": 51}
